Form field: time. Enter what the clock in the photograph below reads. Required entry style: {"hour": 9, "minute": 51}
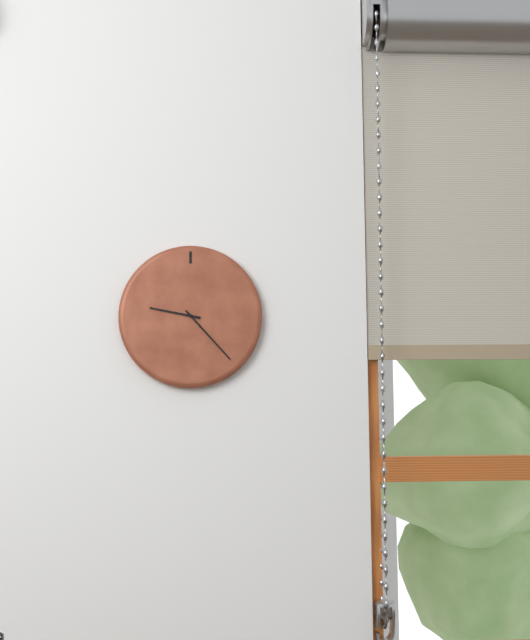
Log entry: {"hour": 9, "minute": 23}
